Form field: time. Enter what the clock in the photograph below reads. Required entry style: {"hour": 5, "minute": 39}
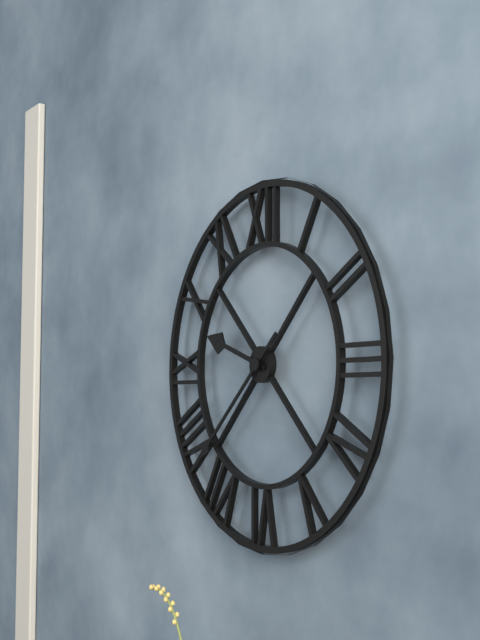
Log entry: {"hour": 9, "minute": 38}
